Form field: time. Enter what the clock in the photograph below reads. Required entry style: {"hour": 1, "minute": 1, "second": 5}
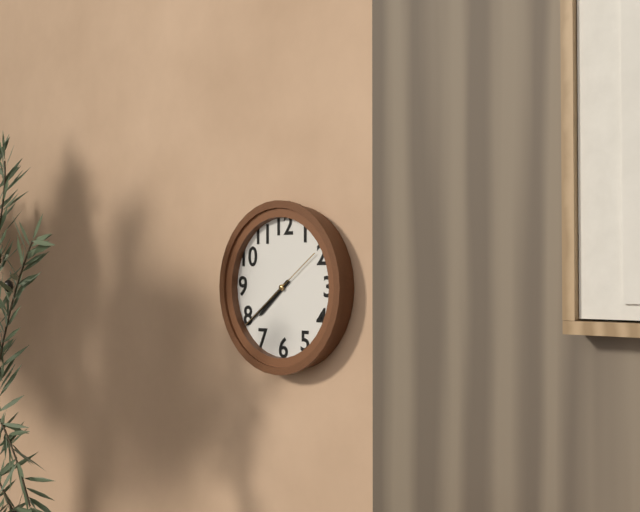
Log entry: {"hour": 7, "minute": 39, "second": 39}
